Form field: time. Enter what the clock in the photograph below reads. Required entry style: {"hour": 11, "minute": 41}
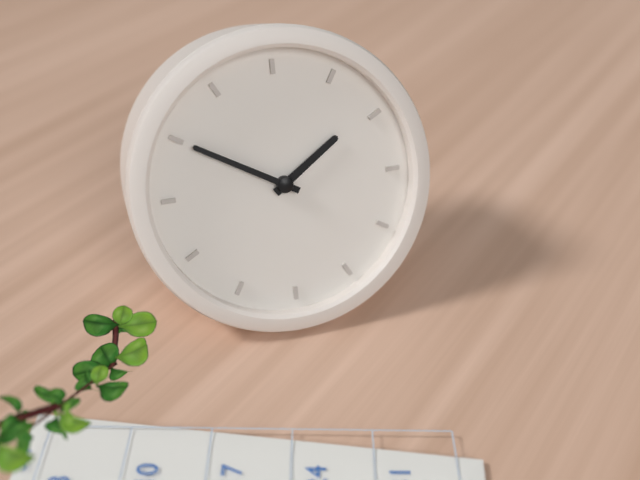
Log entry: {"hour": 1, "minute": 50}
